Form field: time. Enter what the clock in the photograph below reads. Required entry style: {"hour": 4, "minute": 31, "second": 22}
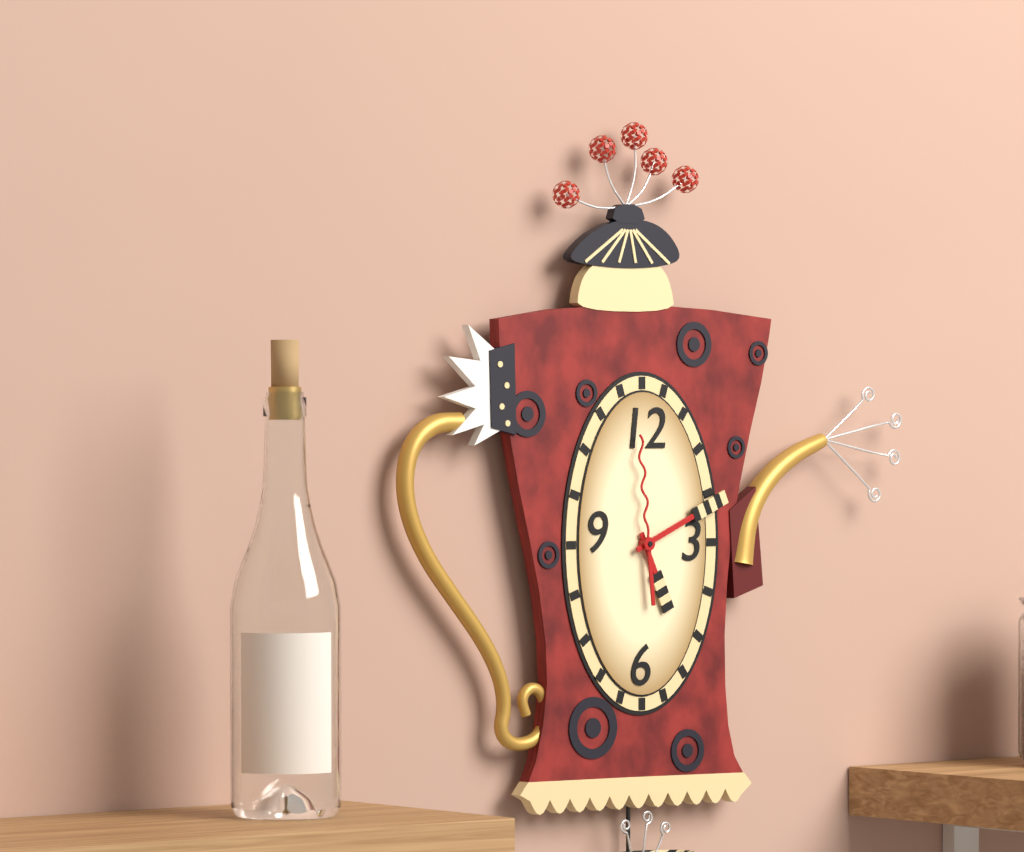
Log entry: {"hour": 5, "minute": 11, "second": 59}
